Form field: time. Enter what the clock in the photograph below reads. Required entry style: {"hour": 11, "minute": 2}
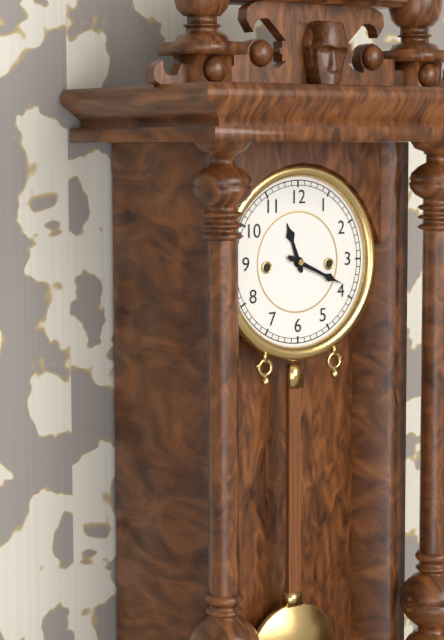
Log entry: {"hour": 11, "minute": 19}
